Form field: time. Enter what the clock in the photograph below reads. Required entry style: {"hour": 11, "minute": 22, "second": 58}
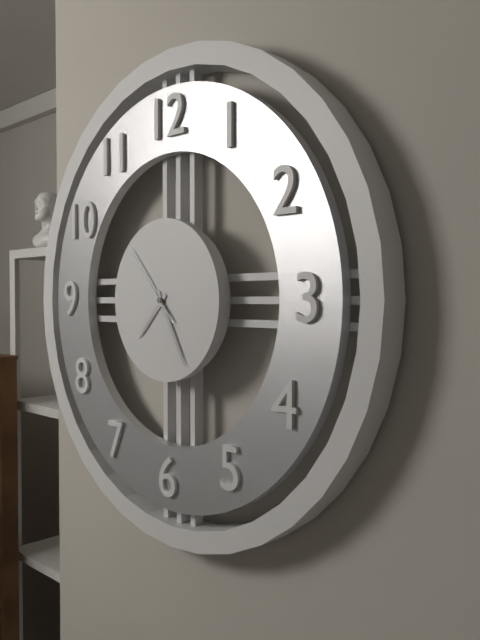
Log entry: {"hour": 7, "minute": 25, "second": 53}
